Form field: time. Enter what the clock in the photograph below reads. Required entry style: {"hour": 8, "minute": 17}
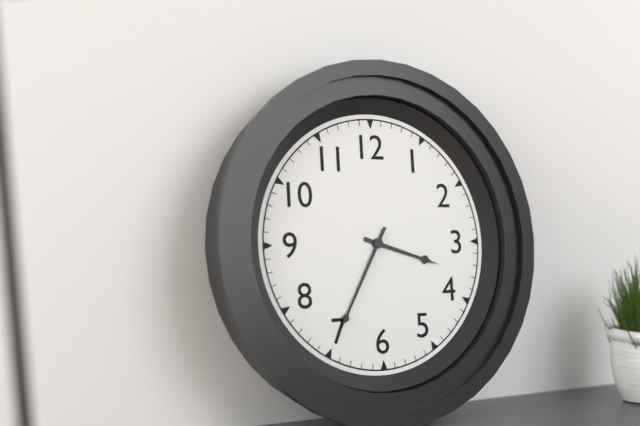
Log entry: {"hour": 3, "minute": 35}
